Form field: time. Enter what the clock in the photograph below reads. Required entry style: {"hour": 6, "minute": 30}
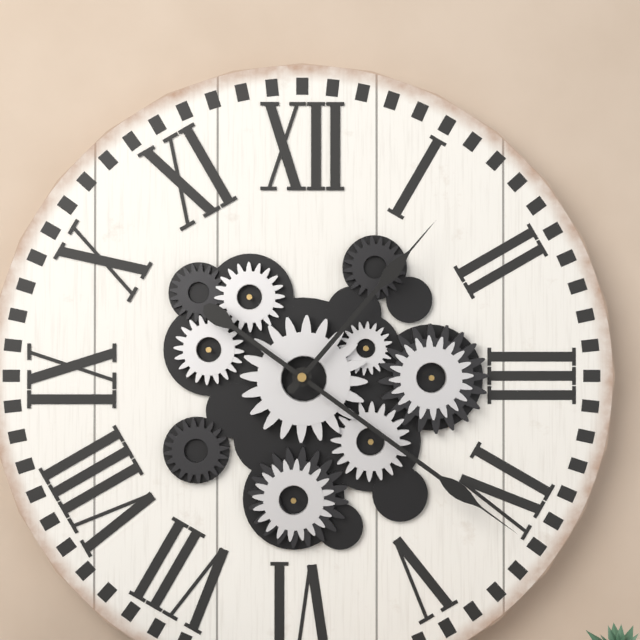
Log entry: {"hour": 1, "minute": 21}
